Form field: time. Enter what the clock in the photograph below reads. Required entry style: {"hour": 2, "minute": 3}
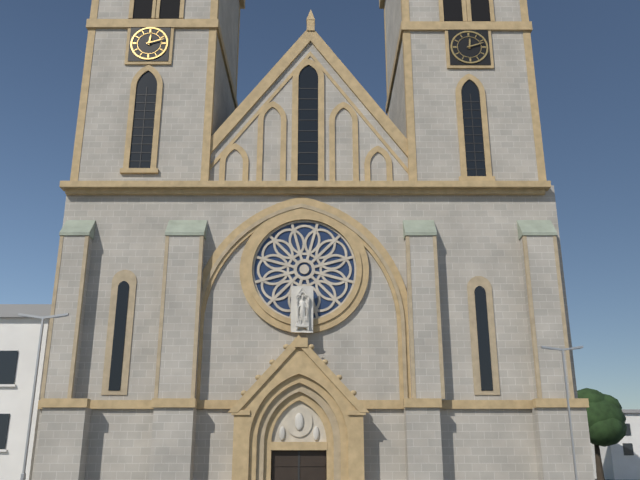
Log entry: {"hour": 12, "minute": 12}
